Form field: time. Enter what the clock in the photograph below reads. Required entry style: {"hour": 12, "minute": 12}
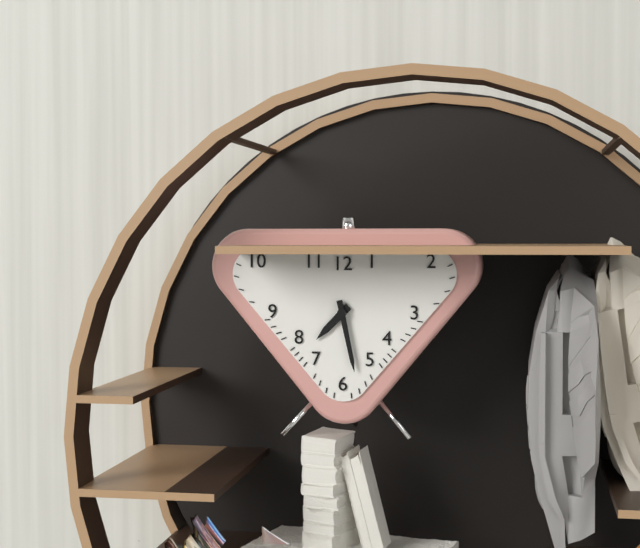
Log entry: {"hour": 7, "minute": 28}
